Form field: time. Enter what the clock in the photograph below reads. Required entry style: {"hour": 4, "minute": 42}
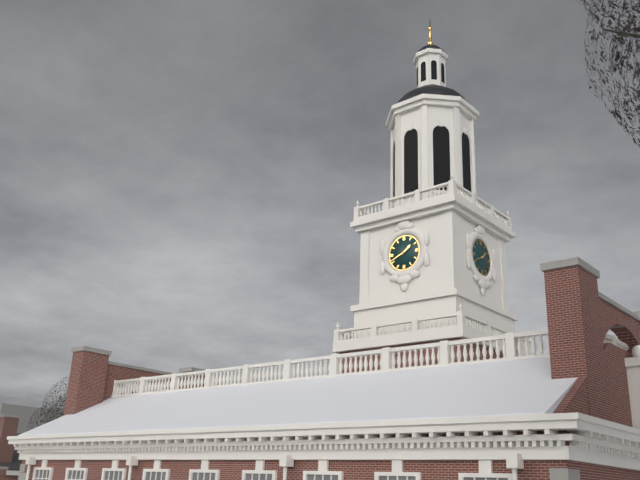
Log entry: {"hour": 1, "minute": 41}
